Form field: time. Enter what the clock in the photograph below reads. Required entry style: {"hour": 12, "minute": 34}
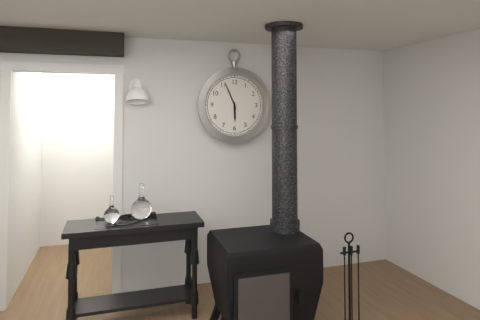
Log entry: {"hour": 5, "minute": 56}
